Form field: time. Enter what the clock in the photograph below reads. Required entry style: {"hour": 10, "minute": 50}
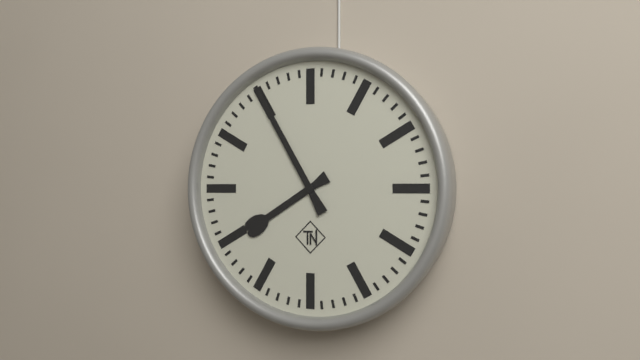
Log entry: {"hour": 7, "minute": 55}
